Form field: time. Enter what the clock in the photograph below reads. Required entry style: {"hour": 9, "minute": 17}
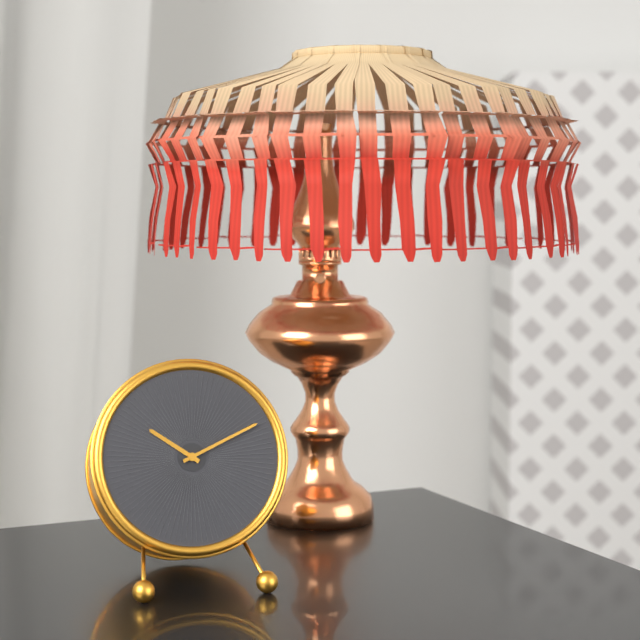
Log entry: {"hour": 10, "minute": 11}
